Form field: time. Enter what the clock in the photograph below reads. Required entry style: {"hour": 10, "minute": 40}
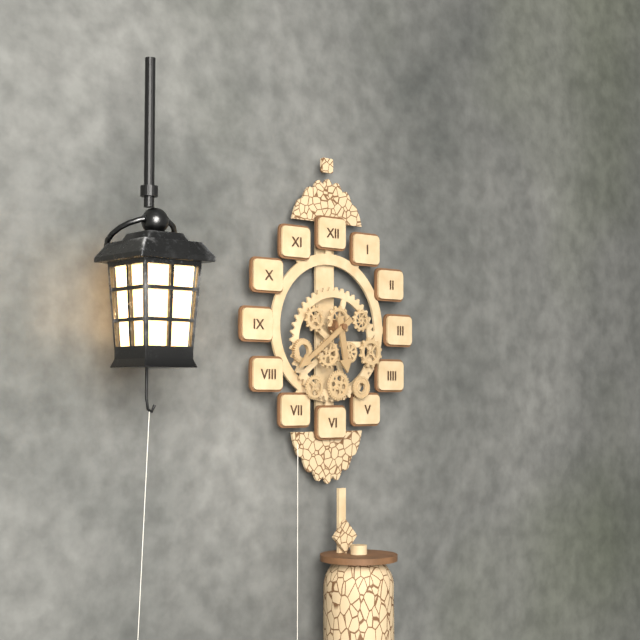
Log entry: {"hour": 5, "minute": 39}
